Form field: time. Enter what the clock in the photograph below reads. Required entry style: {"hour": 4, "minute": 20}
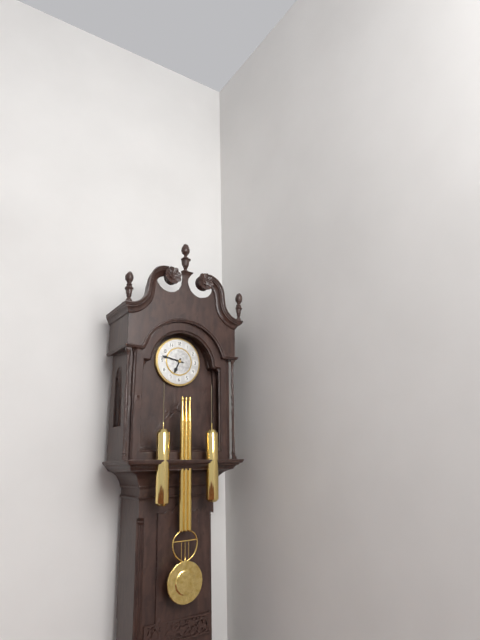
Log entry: {"hour": 6, "minute": 47}
